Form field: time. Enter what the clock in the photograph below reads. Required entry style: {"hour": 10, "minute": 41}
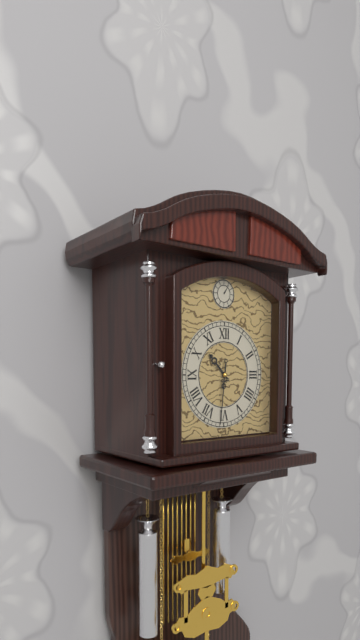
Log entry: {"hour": 10, "minute": 31}
